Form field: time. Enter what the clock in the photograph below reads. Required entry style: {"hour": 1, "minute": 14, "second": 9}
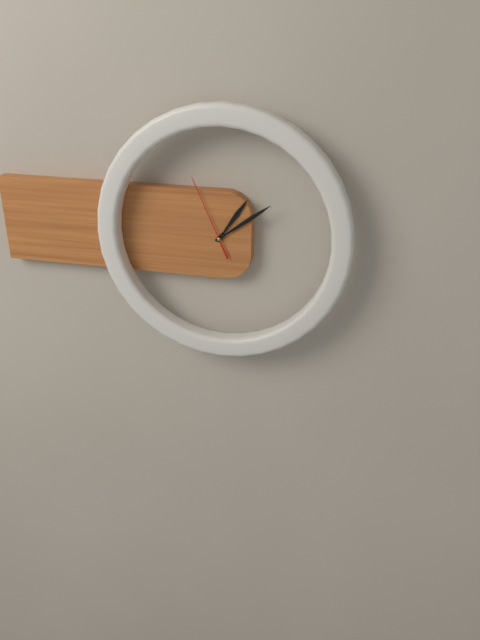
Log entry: {"hour": 1, "minute": 9, "second": 56}
